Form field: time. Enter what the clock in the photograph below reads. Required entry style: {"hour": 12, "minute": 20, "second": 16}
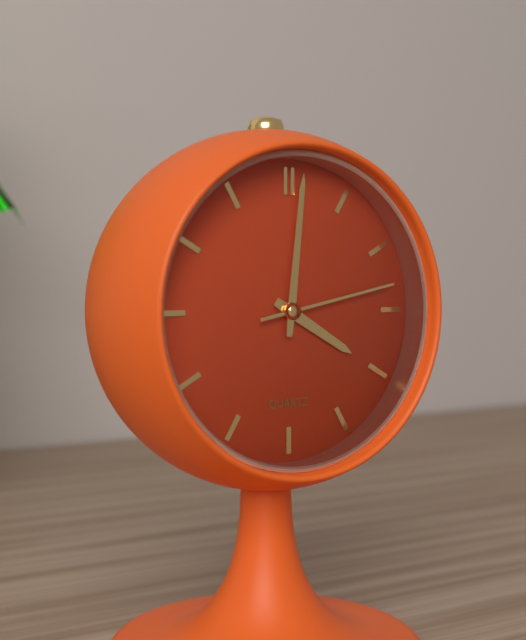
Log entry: {"hour": 4, "minute": 1, "second": 13}
